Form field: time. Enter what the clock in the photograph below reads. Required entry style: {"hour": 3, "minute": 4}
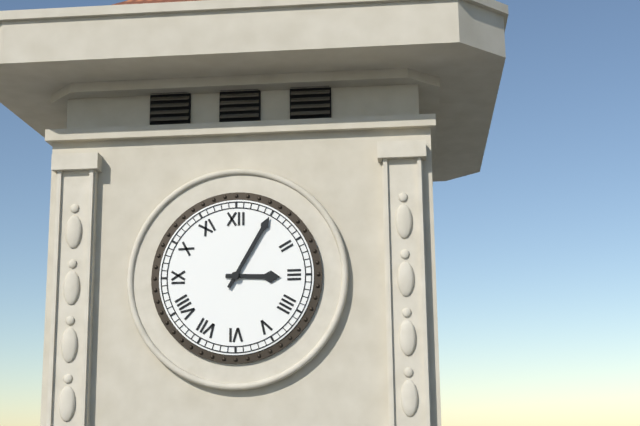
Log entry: {"hour": 3, "minute": 5}
